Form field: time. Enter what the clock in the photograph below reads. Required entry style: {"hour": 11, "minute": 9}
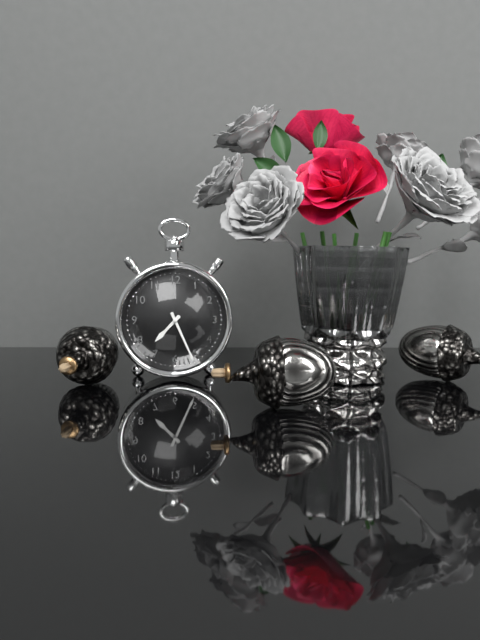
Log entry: {"hour": 7, "minute": 26}
